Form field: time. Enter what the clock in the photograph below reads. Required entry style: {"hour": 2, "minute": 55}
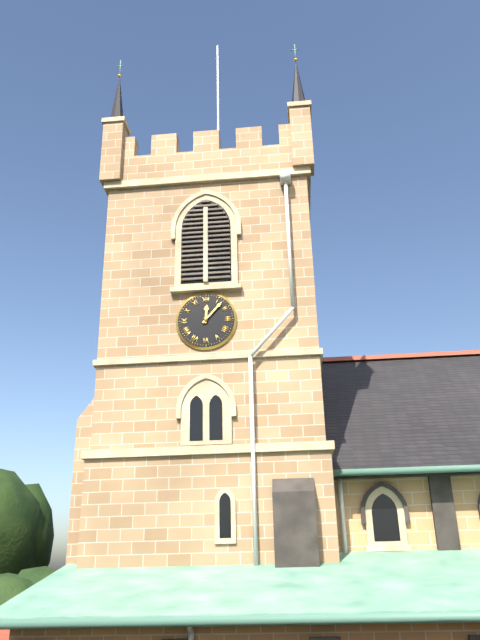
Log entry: {"hour": 12, "minute": 7}
